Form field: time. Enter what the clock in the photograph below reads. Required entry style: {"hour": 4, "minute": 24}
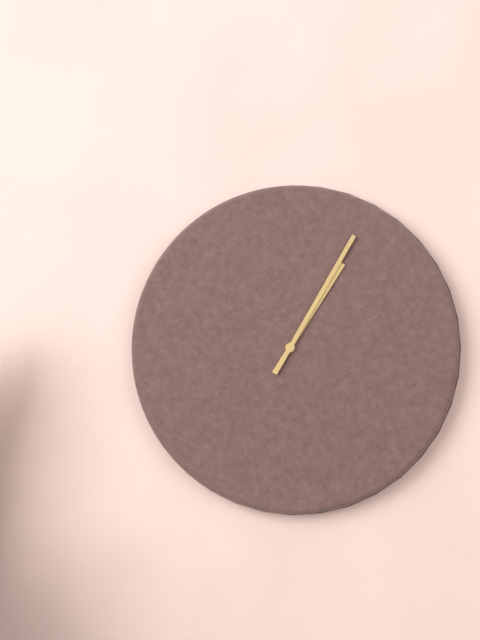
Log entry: {"hour": 1, "minute": 5}
